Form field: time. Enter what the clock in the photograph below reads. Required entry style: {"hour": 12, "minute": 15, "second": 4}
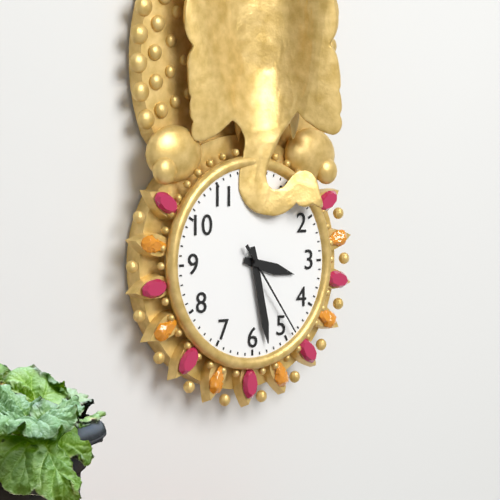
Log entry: {"hour": 3, "minute": 28, "second": 24}
